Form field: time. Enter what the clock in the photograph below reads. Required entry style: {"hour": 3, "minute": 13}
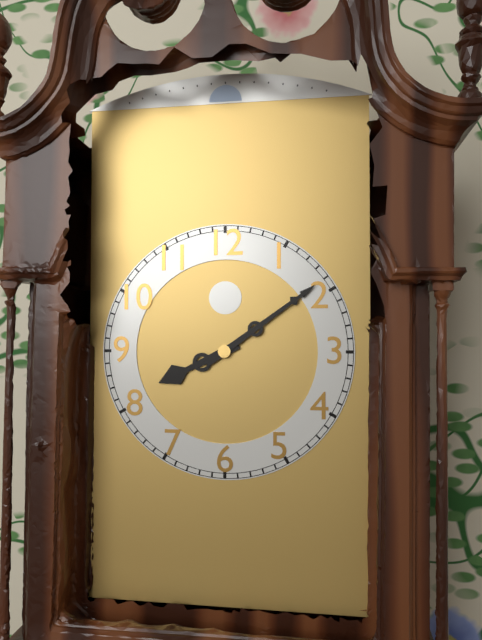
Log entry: {"hour": 8, "minute": 9}
